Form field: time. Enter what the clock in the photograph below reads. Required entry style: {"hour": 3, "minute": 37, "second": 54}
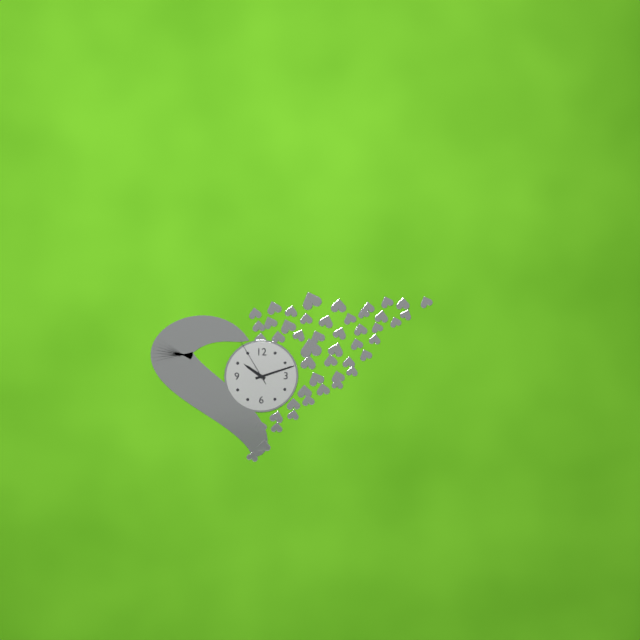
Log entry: {"hour": 10, "minute": 12, "second": 55}
